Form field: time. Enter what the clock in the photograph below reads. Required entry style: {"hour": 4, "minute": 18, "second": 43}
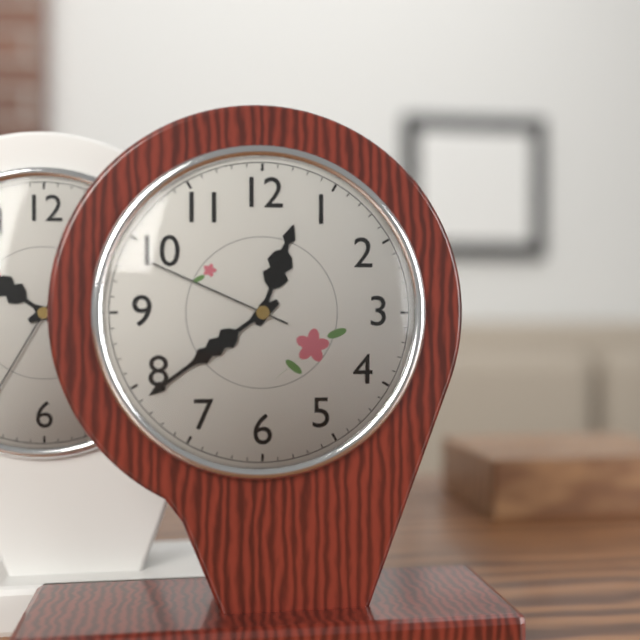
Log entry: {"hour": 12, "minute": 39, "second": 49}
